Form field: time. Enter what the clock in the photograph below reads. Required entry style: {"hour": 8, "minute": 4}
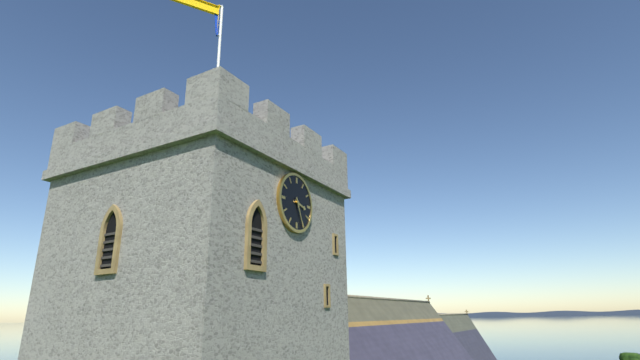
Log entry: {"hour": 3, "minute": 26}
